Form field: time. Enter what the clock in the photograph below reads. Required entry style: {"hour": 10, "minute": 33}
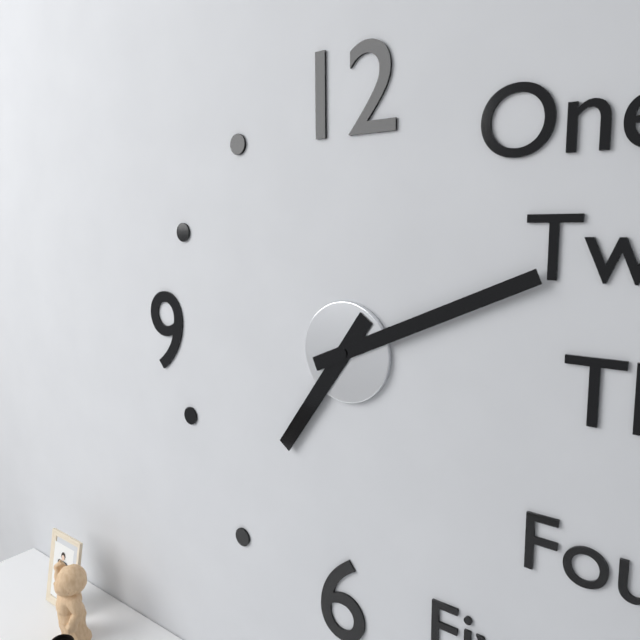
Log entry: {"hour": 7, "minute": 11}
